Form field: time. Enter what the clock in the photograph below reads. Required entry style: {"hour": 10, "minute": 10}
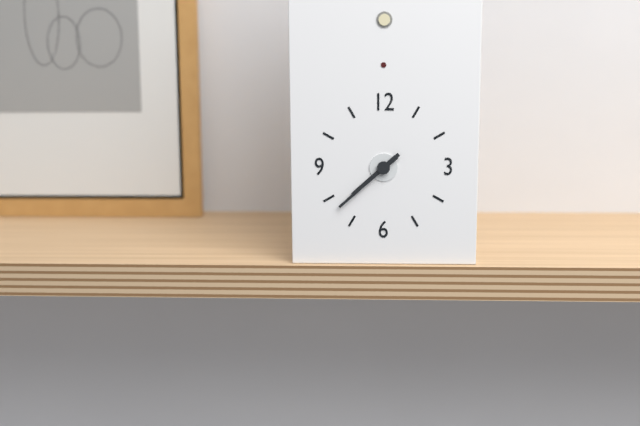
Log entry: {"hour": 7, "minute": 38}
